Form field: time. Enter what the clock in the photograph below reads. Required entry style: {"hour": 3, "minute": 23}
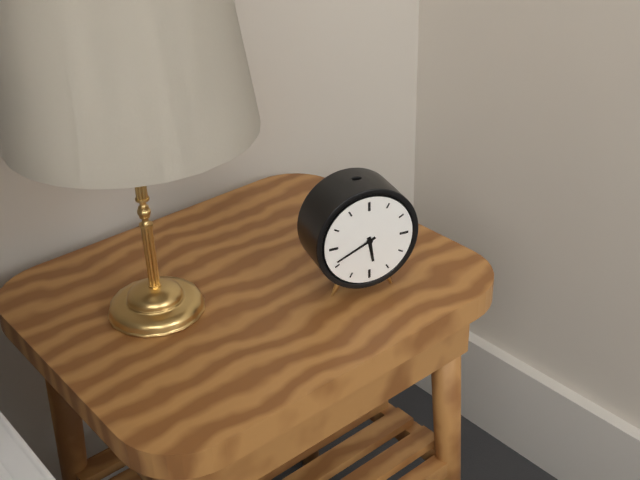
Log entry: {"hour": 5, "minute": 41}
